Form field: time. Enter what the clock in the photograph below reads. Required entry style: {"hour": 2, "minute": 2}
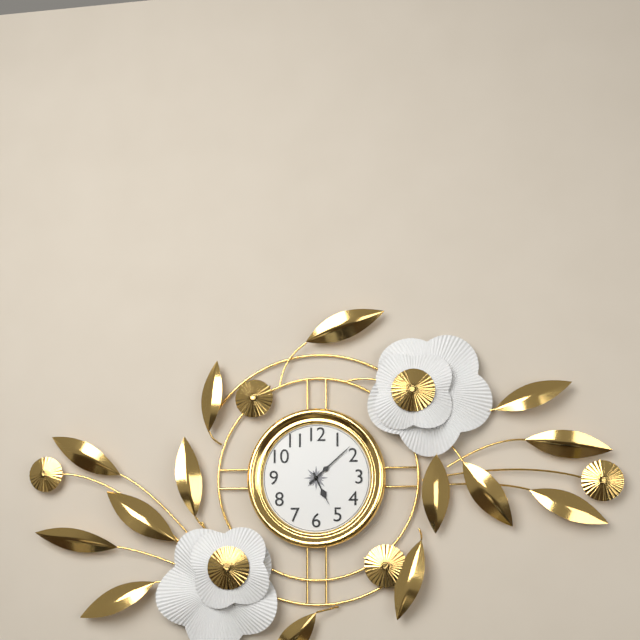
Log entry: {"hour": 5, "minute": 8}
